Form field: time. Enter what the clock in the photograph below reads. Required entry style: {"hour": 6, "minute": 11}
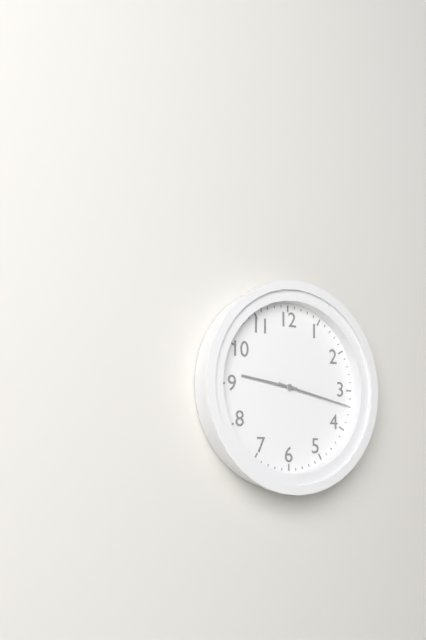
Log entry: {"hour": 9, "minute": 17}
